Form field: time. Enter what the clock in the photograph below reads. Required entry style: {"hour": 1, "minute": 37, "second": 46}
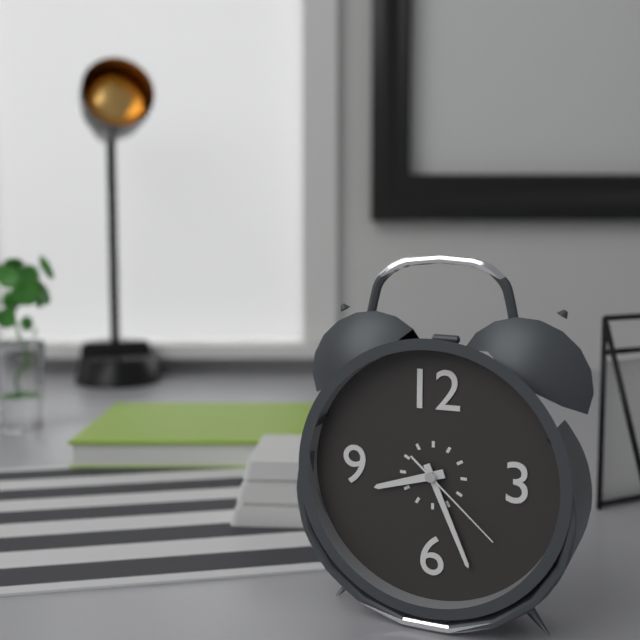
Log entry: {"hour": 8, "minute": 26, "second": 22}
